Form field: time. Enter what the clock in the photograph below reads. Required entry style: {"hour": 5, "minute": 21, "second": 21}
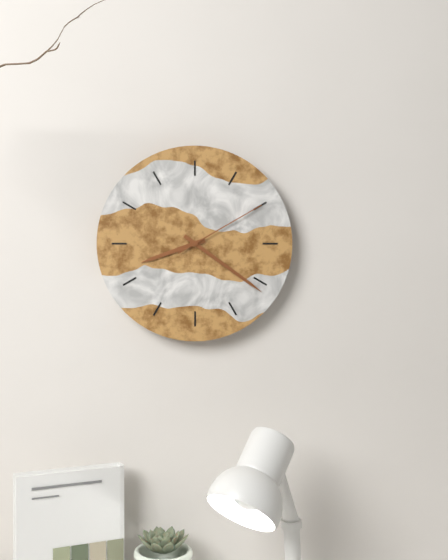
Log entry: {"hour": 8, "minute": 21, "second": 10}
